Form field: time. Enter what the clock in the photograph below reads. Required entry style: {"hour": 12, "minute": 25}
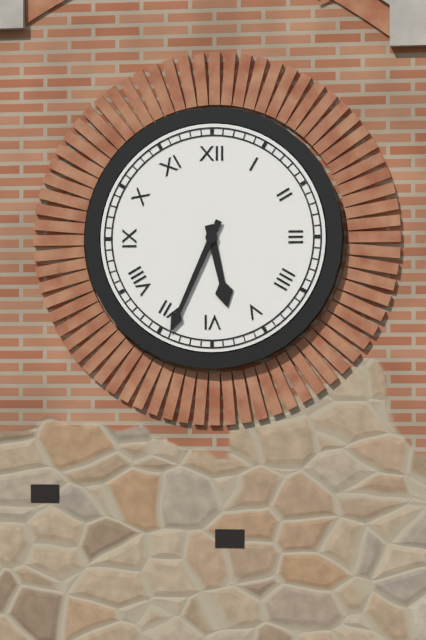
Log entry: {"hour": 5, "minute": 34}
